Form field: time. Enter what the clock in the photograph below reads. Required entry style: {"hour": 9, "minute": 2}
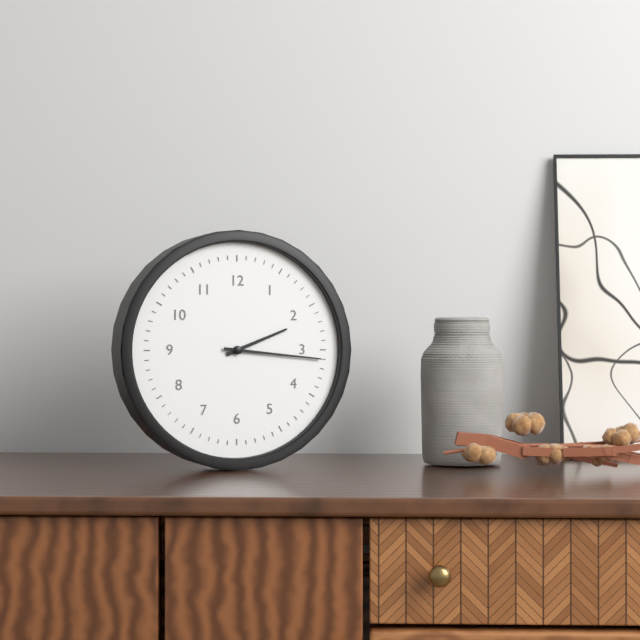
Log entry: {"hour": 2, "minute": 16}
